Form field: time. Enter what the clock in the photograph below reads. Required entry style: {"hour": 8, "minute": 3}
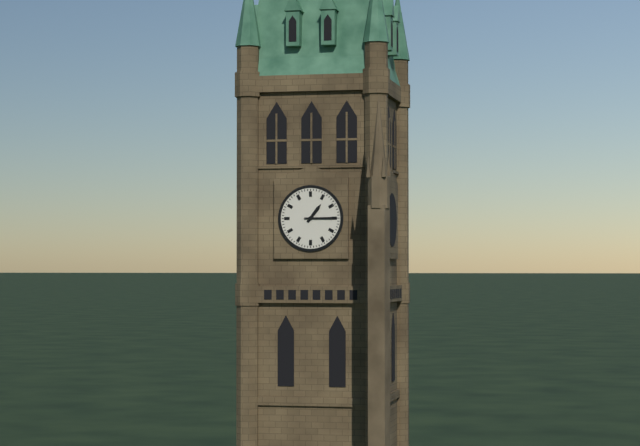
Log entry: {"hour": 1, "minute": 15}
